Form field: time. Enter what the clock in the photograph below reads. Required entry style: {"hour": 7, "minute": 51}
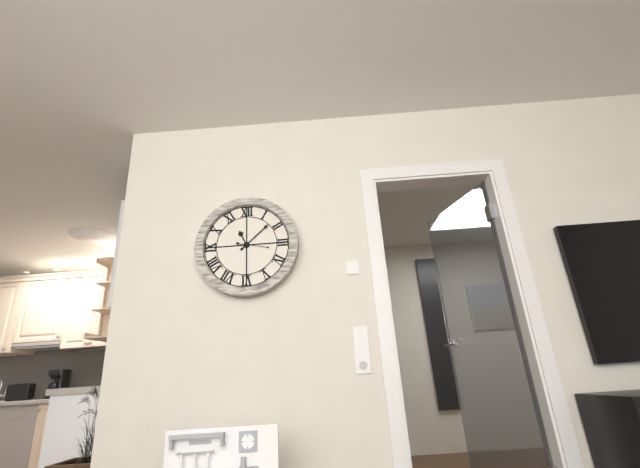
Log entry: {"hour": 11, "minute": 8}
